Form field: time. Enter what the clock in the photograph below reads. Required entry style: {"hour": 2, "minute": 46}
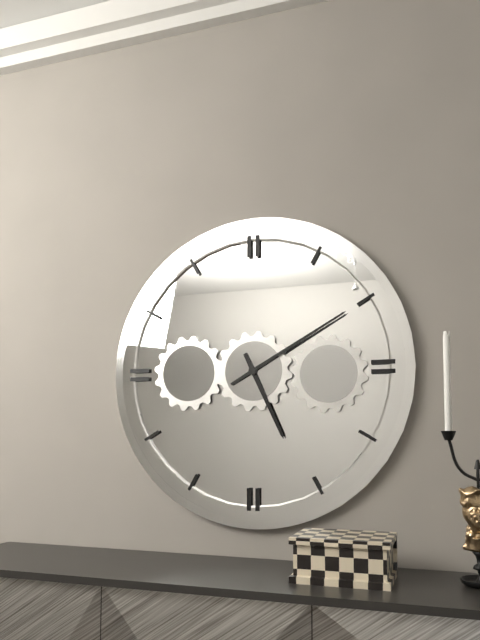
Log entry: {"hour": 5, "minute": 10}
